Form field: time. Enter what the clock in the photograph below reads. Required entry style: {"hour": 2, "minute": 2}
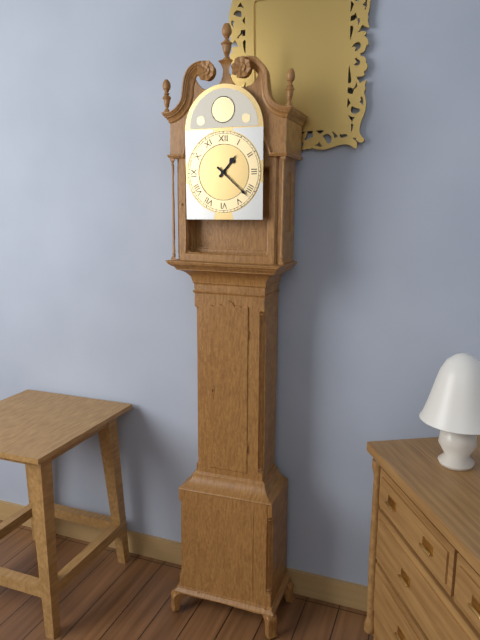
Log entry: {"hour": 1, "minute": 22}
